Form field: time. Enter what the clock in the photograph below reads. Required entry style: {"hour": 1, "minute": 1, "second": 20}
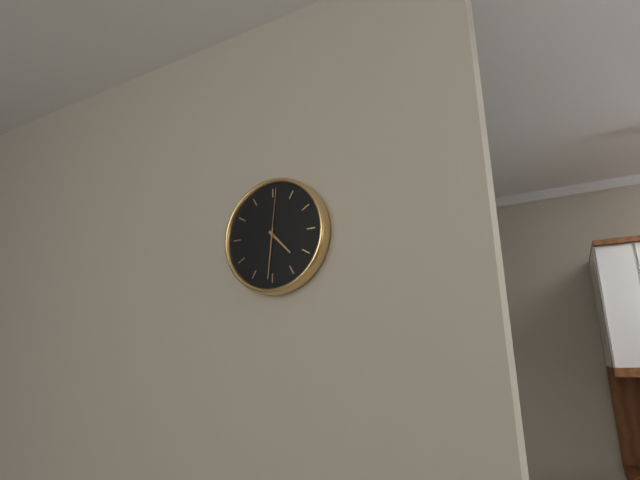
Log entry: {"hour": 4, "minute": 31, "second": 1}
